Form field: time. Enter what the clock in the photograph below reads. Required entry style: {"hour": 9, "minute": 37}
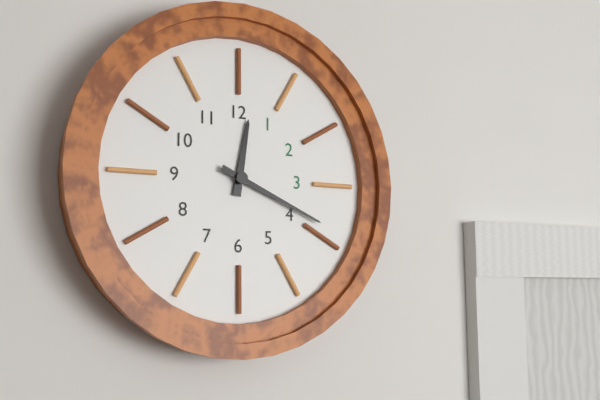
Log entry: {"hour": 12, "minute": 19}
